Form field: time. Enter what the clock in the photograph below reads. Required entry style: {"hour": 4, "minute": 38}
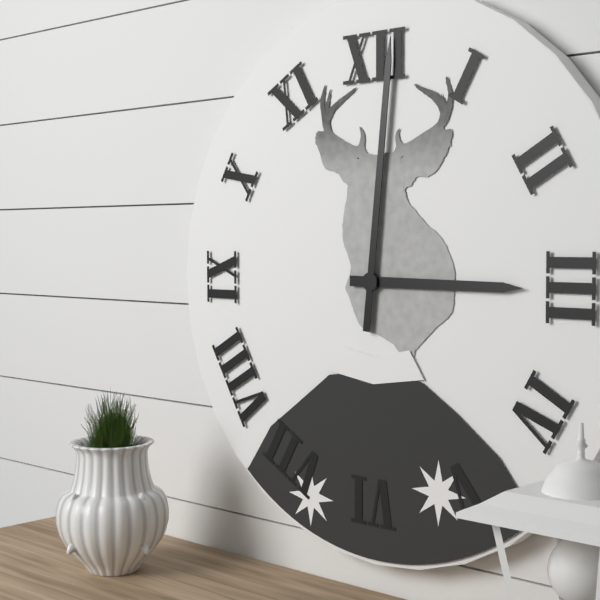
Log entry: {"hour": 3, "minute": 1}
